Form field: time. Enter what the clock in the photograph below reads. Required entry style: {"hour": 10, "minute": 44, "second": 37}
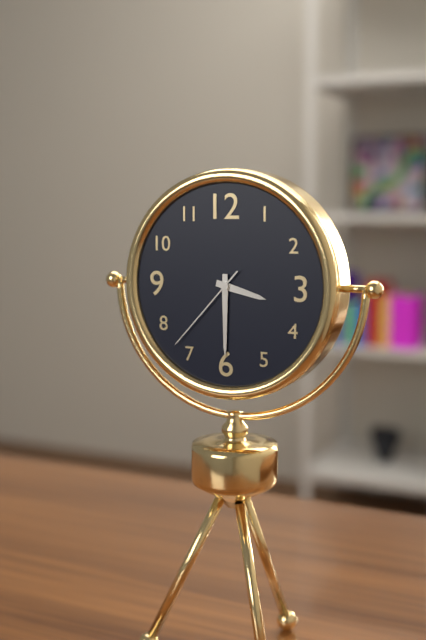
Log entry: {"hour": 3, "minute": 30, "second": 37}
